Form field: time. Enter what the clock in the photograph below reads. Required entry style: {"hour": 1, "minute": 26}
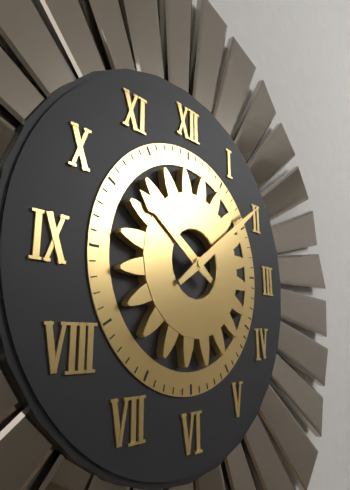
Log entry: {"hour": 10, "minute": 9}
